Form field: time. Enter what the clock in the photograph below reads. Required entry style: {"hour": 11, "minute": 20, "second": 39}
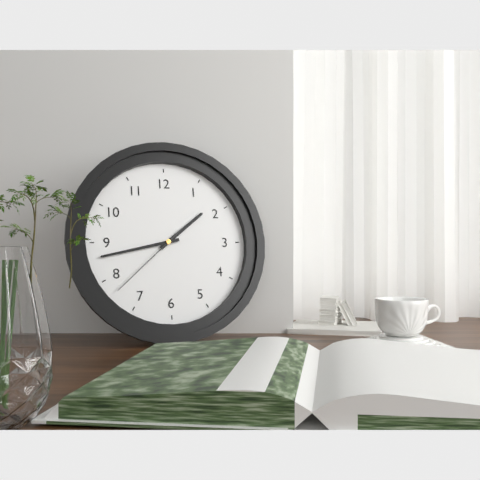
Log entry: {"hour": 1, "minute": 43, "second": 38}
